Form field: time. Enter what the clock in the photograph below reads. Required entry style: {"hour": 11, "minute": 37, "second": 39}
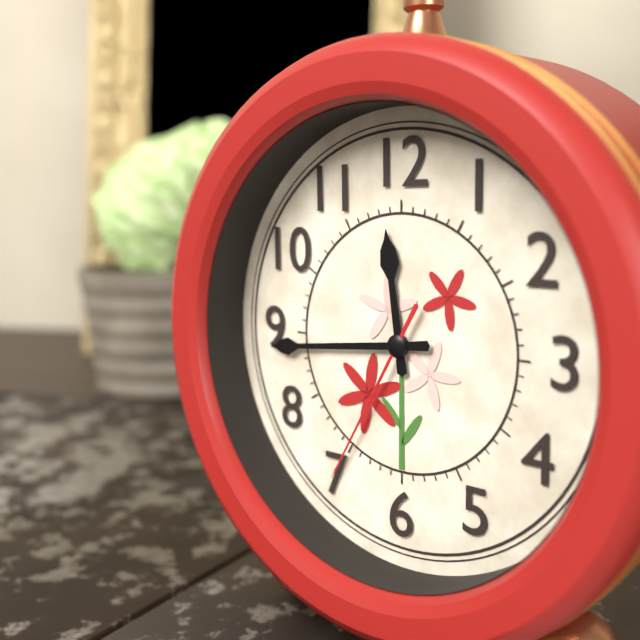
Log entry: {"hour": 11, "minute": 44, "second": 35}
